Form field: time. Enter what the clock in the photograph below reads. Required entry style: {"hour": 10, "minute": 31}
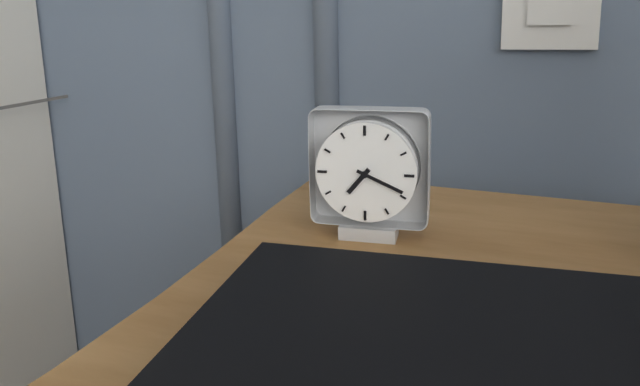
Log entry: {"hour": 7, "minute": 19}
